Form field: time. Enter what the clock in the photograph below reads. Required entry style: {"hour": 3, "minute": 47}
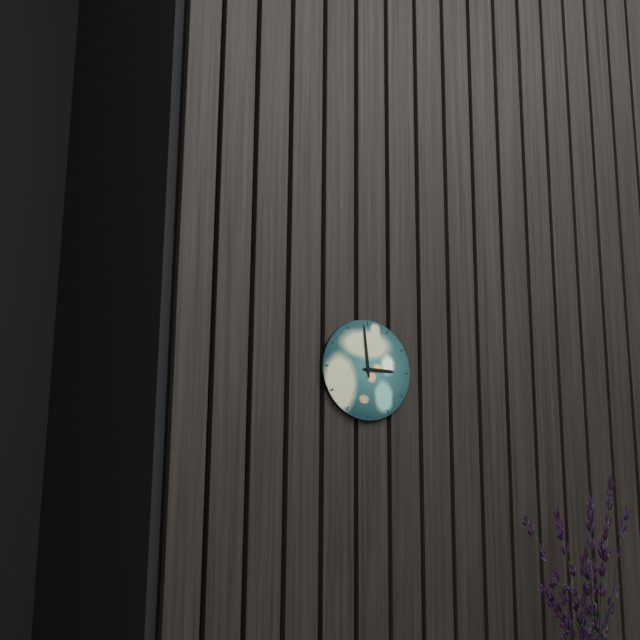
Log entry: {"hour": 2, "minute": 59}
